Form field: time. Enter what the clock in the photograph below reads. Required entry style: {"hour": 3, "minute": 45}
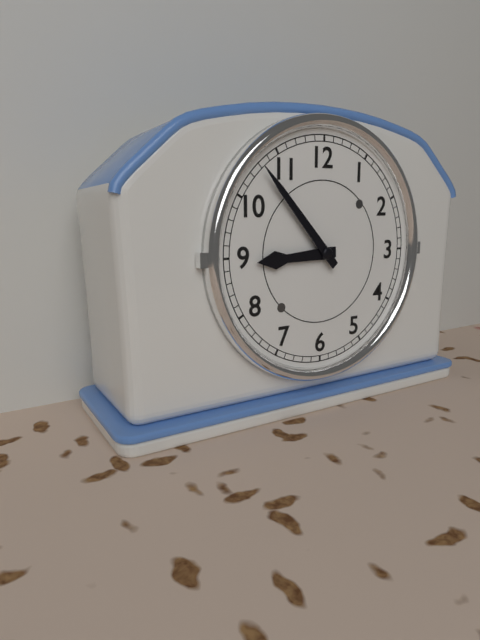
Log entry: {"hour": 8, "minute": 53}
